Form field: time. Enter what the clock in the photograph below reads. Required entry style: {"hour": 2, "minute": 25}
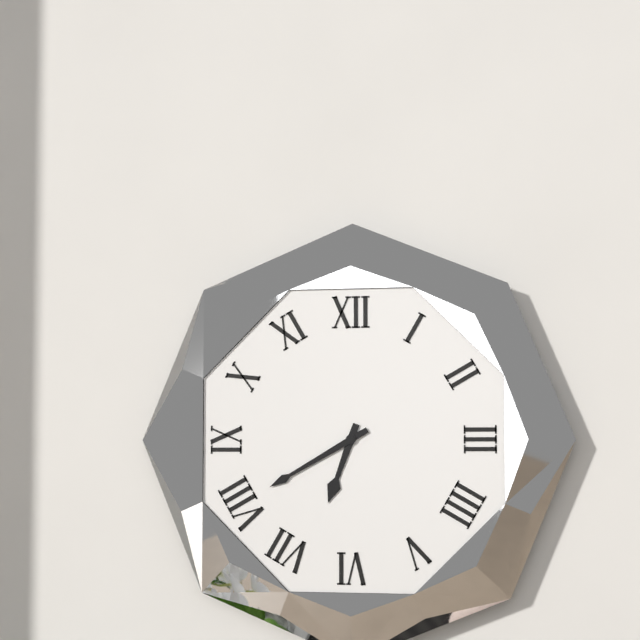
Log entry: {"hour": 6, "minute": 40}
